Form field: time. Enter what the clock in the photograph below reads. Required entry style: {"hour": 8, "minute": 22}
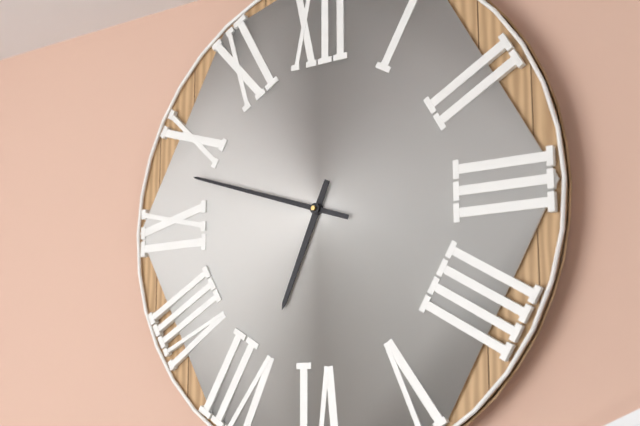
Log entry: {"hour": 6, "minute": 48}
